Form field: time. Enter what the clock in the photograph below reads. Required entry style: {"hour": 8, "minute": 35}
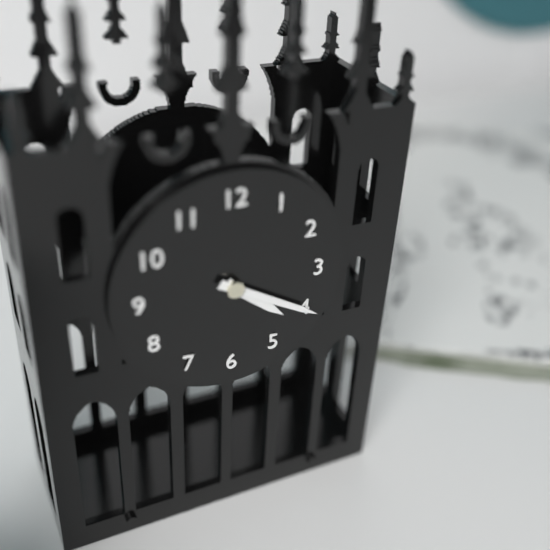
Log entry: {"hour": 4, "minute": 20}
